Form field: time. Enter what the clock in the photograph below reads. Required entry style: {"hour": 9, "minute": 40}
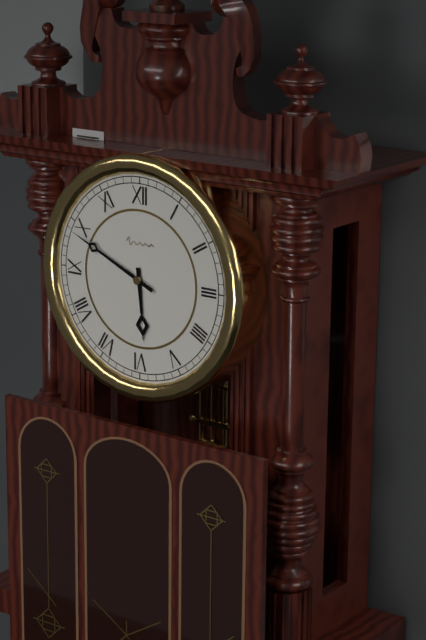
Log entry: {"hour": 5, "minute": 49}
